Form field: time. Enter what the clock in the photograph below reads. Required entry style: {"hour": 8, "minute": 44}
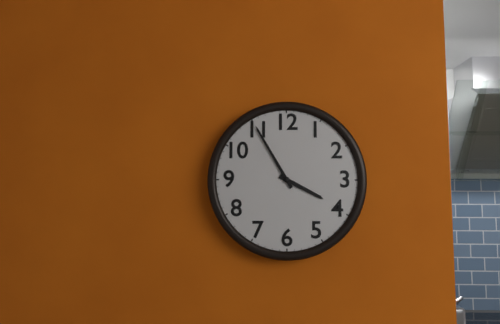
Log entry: {"hour": 3, "minute": 55}
